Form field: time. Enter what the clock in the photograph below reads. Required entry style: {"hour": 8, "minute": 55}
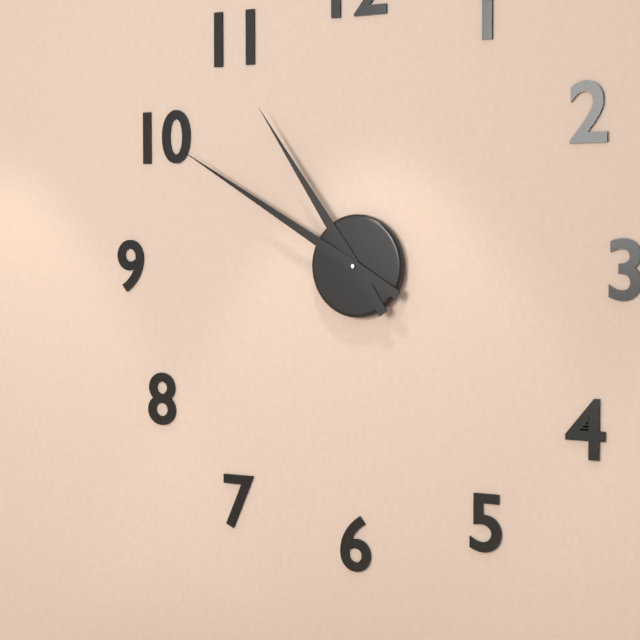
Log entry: {"hour": 10, "minute": 50}
